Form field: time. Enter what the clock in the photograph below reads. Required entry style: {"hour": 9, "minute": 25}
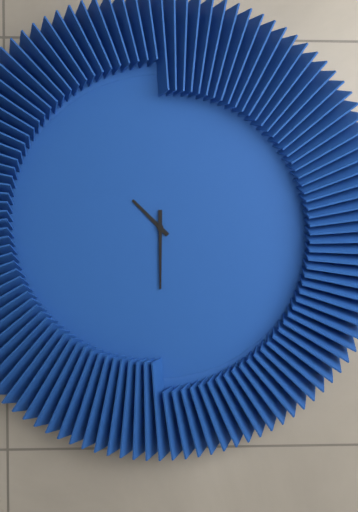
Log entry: {"hour": 10, "minute": 30}
